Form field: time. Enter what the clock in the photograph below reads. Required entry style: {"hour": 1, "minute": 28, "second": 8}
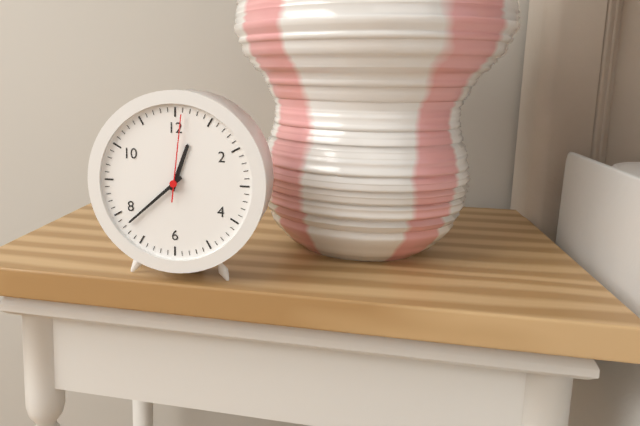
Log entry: {"hour": 12, "minute": 38, "second": 1}
